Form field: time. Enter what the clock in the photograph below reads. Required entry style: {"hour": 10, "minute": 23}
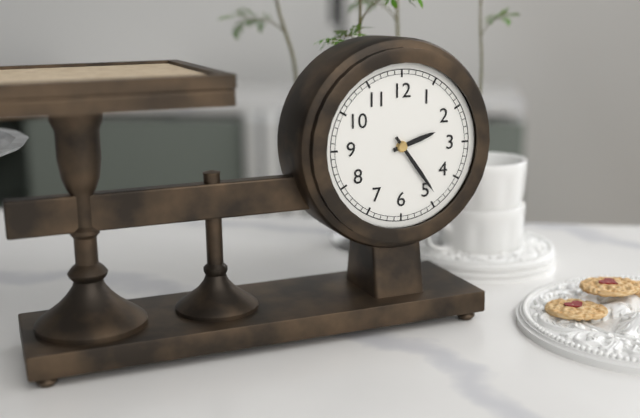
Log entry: {"hour": 2, "minute": 24}
